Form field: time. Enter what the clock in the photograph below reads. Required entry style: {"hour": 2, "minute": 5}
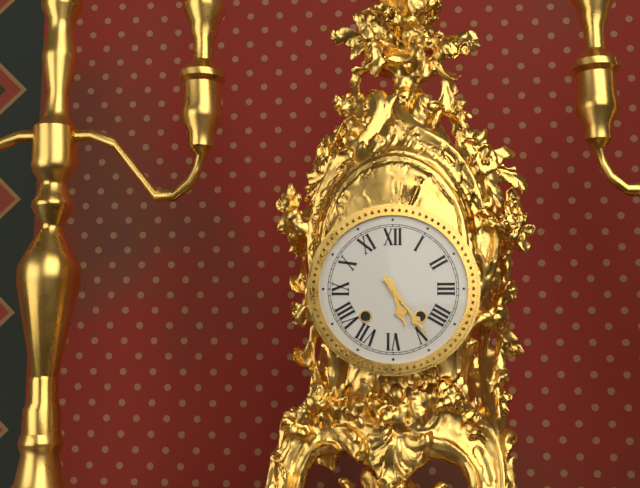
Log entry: {"hour": 5, "minute": 24}
